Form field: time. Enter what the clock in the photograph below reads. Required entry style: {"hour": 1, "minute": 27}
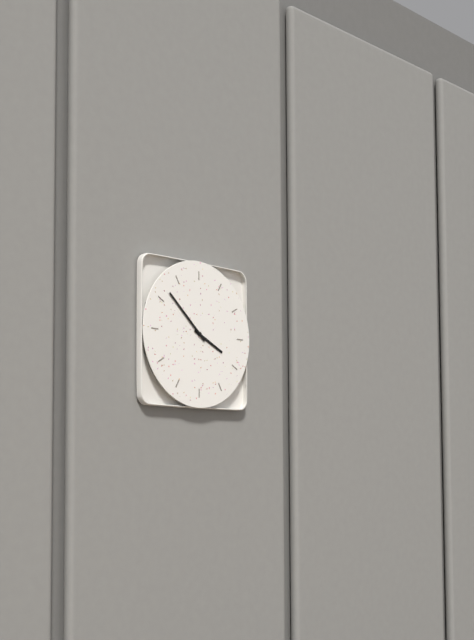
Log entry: {"hour": 3, "minute": 52}
